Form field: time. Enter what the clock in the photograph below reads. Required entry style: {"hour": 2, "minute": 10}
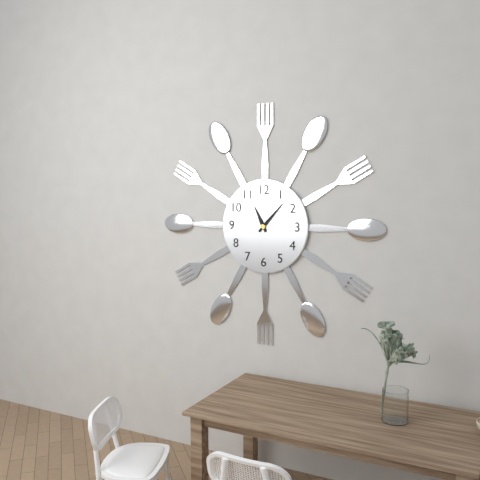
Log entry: {"hour": 11, "minute": 7}
